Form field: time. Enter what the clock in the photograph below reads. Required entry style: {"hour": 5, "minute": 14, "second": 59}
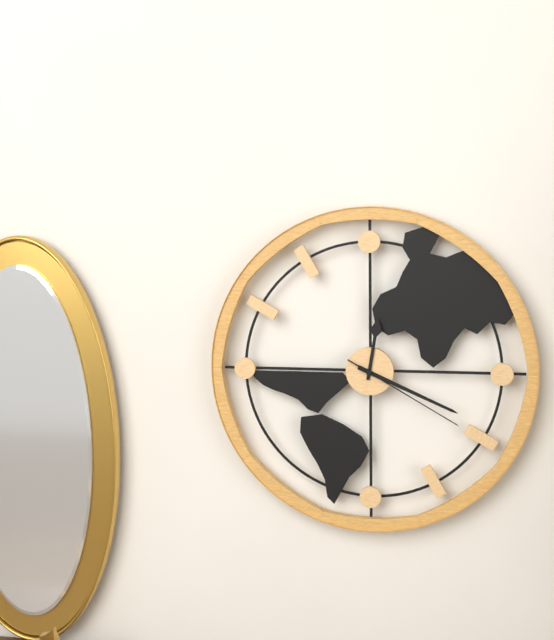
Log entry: {"hour": 12, "minute": 19, "second": 20}
